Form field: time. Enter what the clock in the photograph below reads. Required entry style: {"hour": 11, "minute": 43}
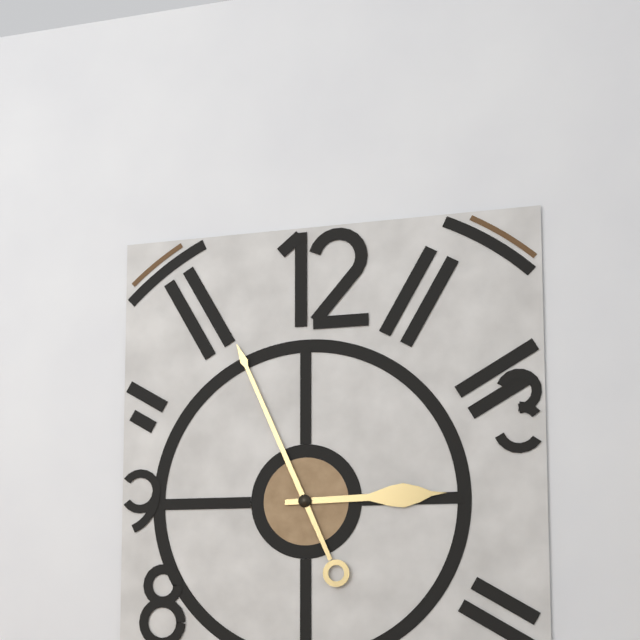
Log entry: {"hour": 2, "minute": 56}
